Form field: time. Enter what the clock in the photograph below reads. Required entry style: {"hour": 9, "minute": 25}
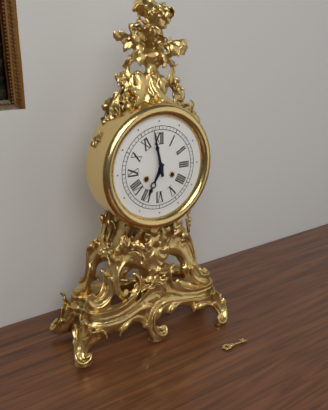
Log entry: {"hour": 6, "minute": 58}
